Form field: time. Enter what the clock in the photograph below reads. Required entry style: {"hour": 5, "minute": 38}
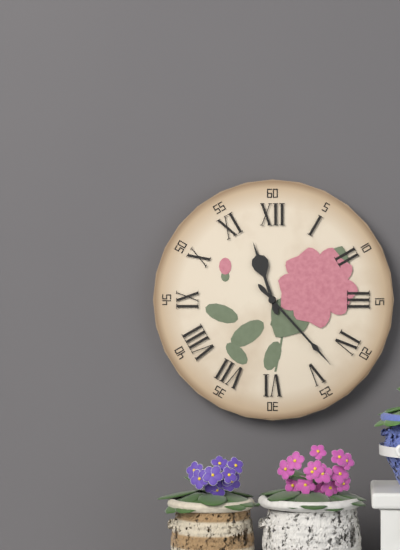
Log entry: {"hour": 11, "minute": 23}
